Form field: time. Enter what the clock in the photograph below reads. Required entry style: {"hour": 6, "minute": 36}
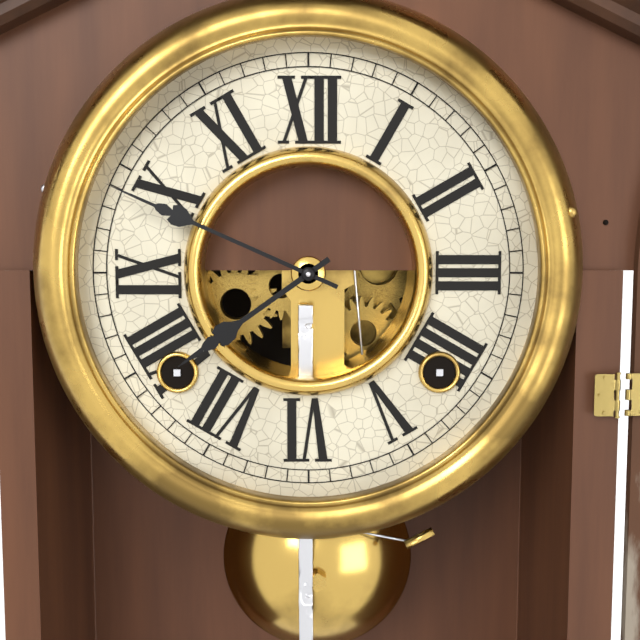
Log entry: {"hour": 7, "minute": 49}
